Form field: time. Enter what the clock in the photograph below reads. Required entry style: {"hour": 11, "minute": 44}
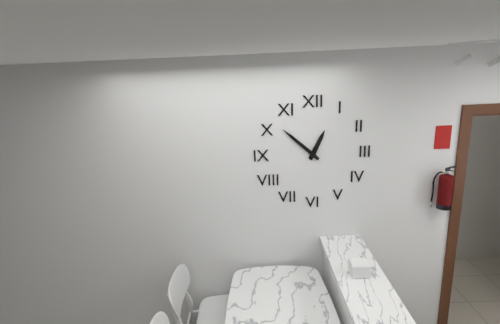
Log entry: {"hour": 12, "minute": 52}
